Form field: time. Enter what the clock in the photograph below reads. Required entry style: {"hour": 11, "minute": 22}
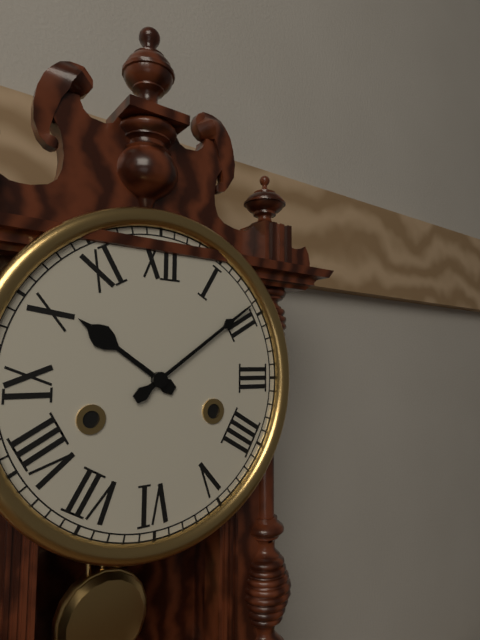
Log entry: {"hour": 10, "minute": 9}
